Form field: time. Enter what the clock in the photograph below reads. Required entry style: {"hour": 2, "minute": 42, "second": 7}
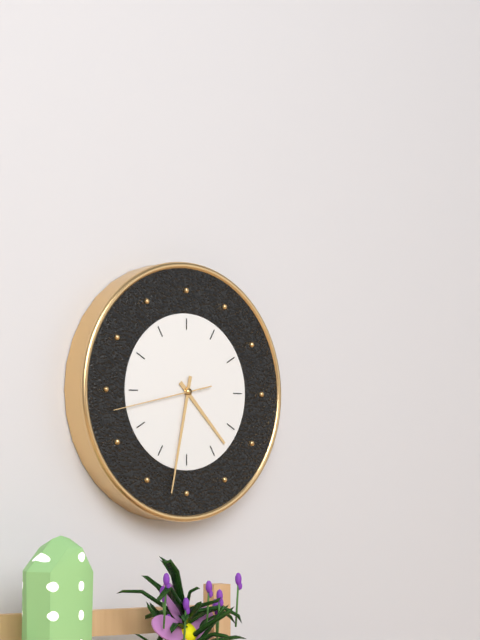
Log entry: {"hour": 4, "minute": 32, "second": 43}
